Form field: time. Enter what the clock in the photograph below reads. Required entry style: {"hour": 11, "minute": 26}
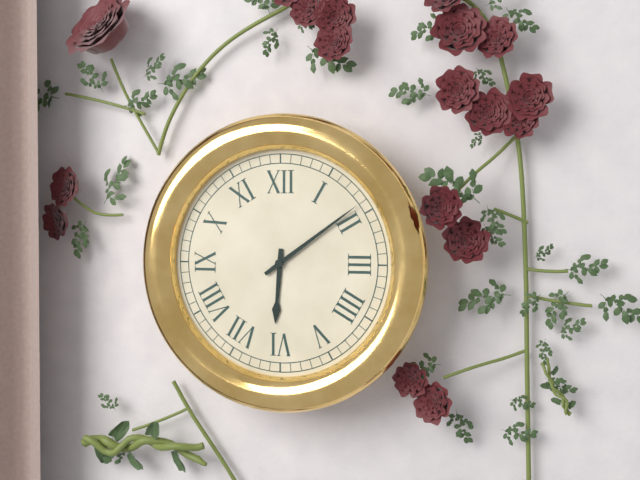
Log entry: {"hour": 6, "minute": 9}
